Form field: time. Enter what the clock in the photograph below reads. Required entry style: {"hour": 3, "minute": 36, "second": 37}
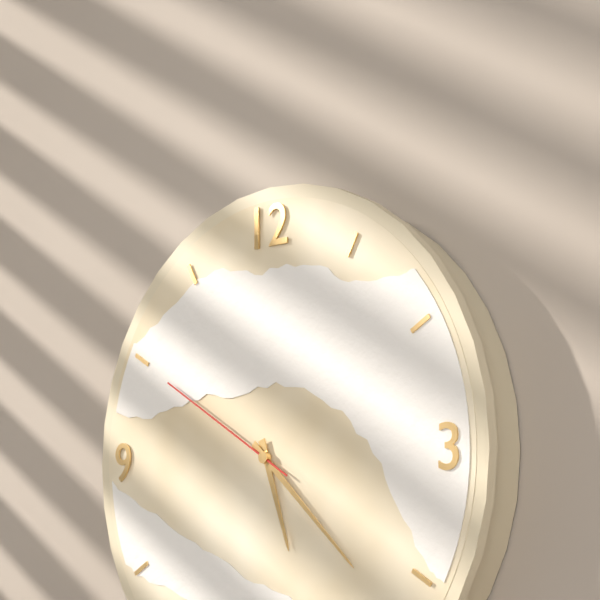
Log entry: {"hour": 5, "minute": 22, "second": 50}
